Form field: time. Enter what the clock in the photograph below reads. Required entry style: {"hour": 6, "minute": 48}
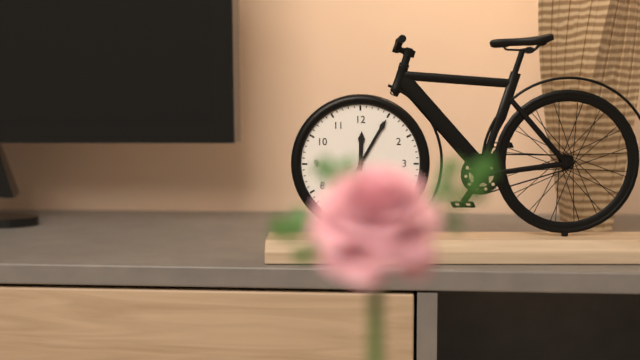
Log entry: {"hour": 12, "minute": 5}
